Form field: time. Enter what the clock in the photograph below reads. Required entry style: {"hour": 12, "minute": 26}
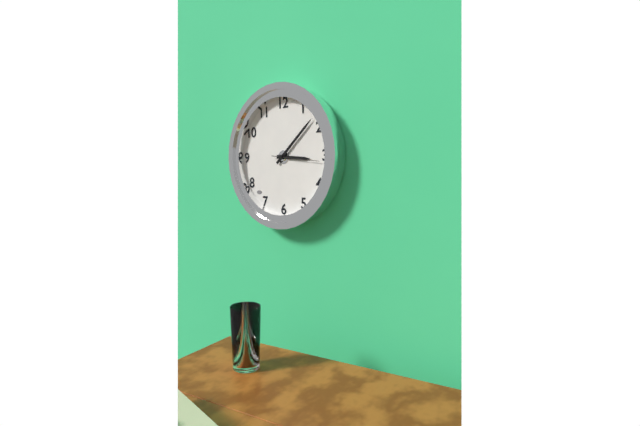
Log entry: {"hour": 3, "minute": 8}
